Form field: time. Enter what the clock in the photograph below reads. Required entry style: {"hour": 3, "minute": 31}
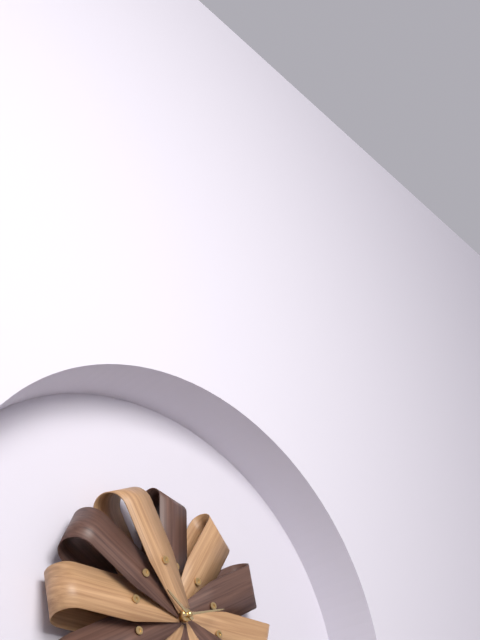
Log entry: {"hour": 10, "minute": 12}
